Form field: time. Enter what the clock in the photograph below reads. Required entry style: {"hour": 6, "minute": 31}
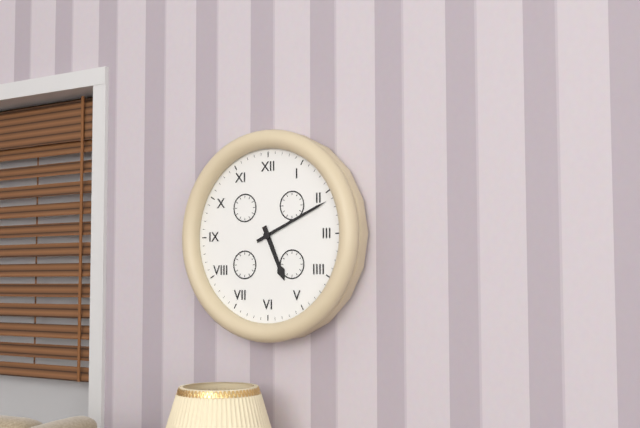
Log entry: {"hour": 5, "minute": 11}
